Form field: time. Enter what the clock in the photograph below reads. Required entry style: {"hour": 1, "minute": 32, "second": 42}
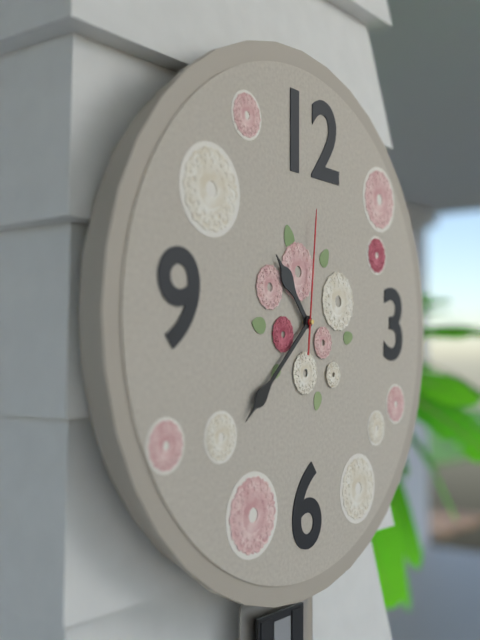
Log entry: {"hour": 10, "minute": 38, "second": 1}
